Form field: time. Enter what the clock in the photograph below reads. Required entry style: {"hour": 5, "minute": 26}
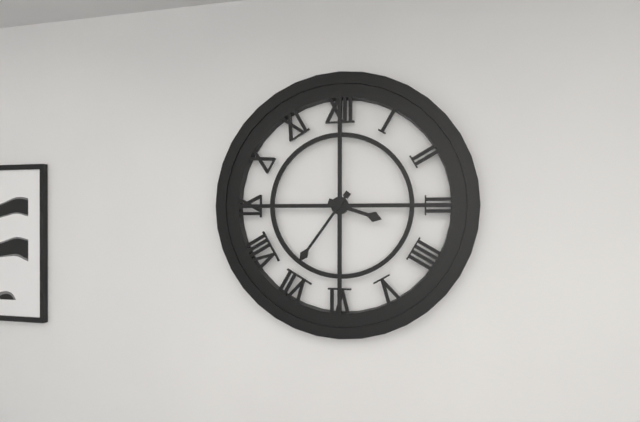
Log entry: {"hour": 3, "minute": 36}
